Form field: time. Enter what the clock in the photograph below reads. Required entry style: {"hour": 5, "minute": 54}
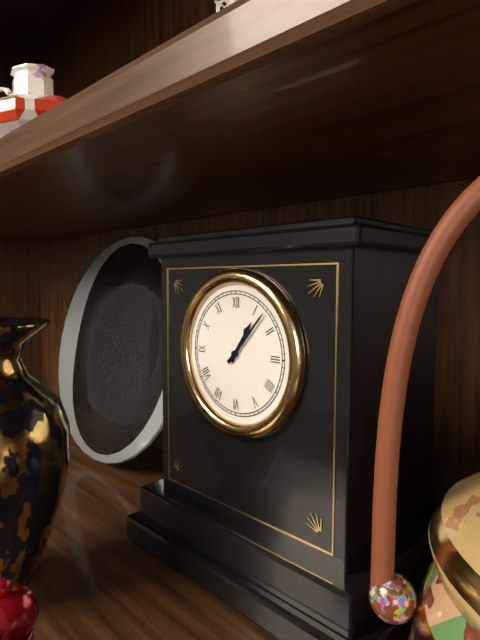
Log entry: {"hour": 1, "minute": 7}
